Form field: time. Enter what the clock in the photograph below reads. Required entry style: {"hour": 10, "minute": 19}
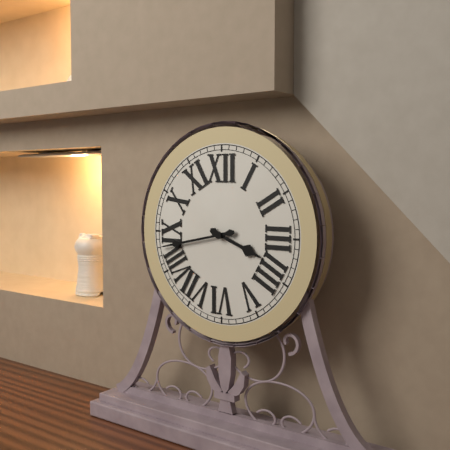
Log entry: {"hour": 3, "minute": 43}
